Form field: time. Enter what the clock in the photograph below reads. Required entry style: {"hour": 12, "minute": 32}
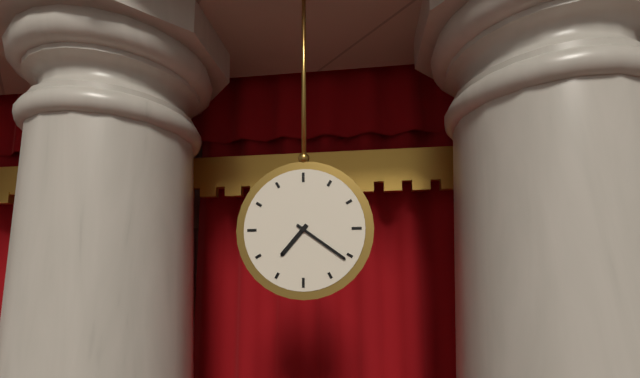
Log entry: {"hour": 7, "minute": 21}
